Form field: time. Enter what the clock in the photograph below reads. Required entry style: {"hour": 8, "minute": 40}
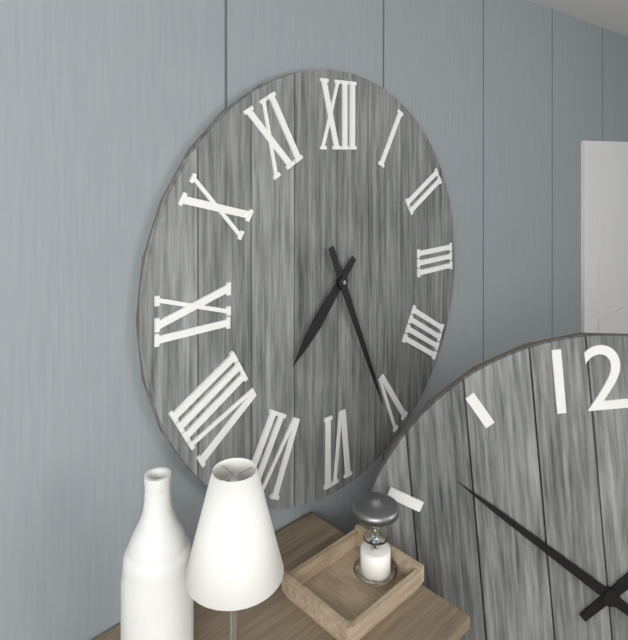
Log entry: {"hour": 7, "minute": 26}
